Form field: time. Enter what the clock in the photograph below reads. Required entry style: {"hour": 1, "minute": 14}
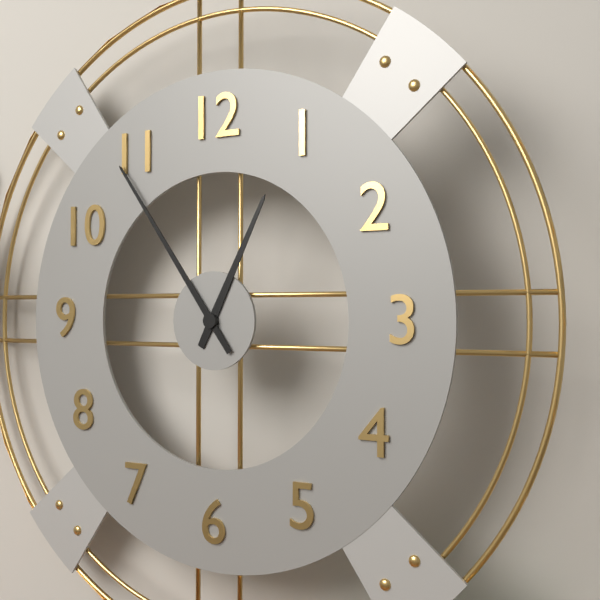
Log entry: {"hour": 12, "minute": 54}
